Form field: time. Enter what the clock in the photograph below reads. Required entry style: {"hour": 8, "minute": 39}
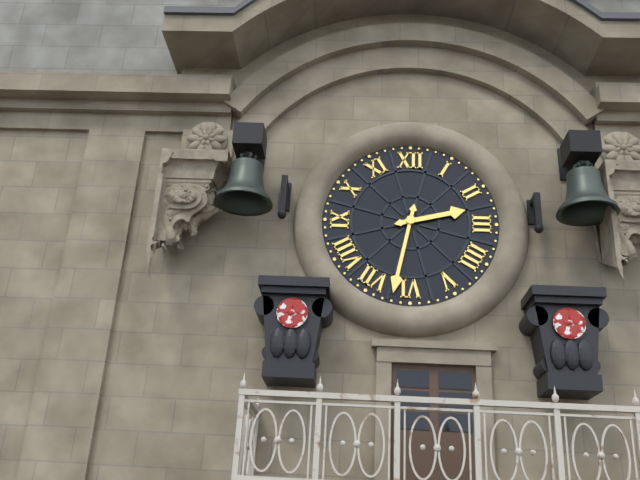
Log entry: {"hour": 2, "minute": 32}
